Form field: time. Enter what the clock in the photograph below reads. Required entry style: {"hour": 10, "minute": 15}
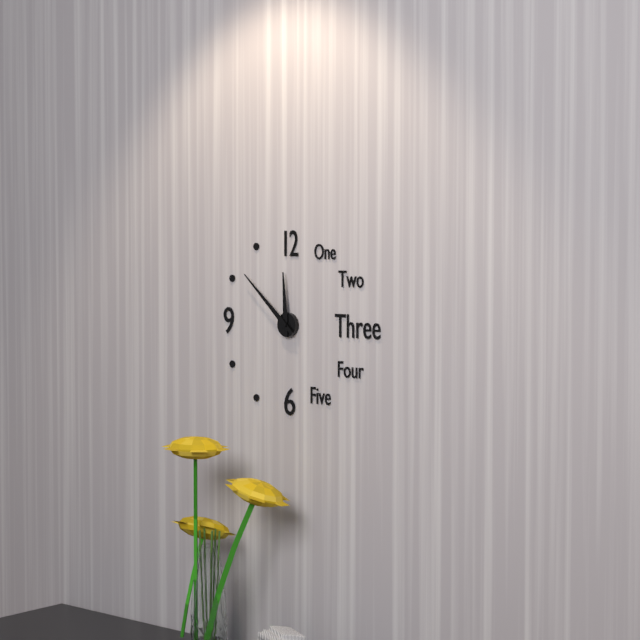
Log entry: {"hour": 11, "minute": 52}
